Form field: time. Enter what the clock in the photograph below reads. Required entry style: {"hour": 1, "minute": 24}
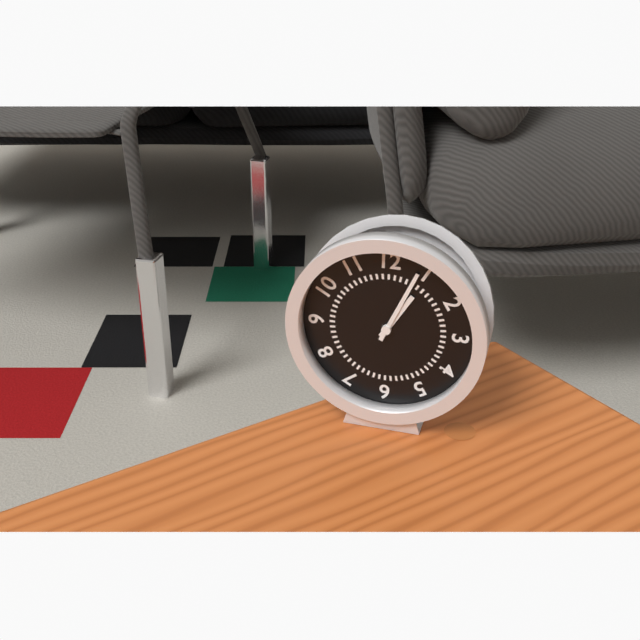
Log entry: {"hour": 1, "minute": 4}
